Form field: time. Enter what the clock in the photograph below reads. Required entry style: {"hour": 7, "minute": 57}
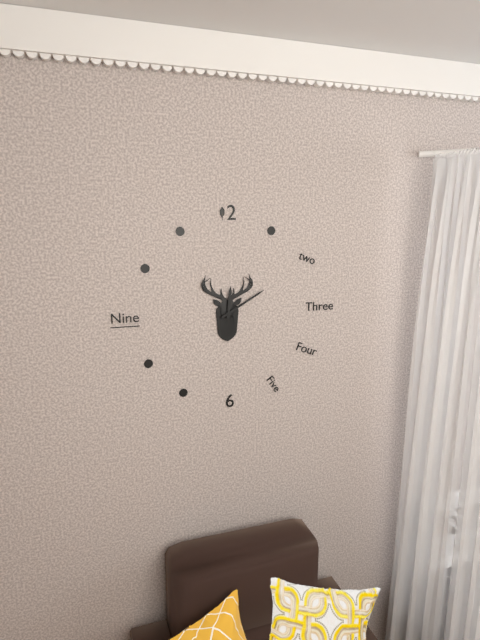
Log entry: {"hour": 12, "minute": 10}
